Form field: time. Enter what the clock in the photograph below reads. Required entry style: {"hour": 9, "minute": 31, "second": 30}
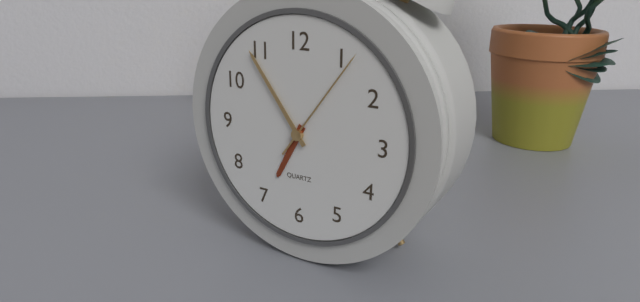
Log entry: {"hour": 6, "minute": 54, "second": 6}
